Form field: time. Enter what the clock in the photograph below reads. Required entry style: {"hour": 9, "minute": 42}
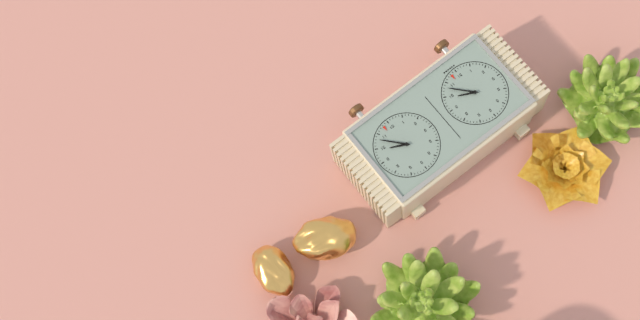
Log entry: {"hour": 9, "minute": 53}
